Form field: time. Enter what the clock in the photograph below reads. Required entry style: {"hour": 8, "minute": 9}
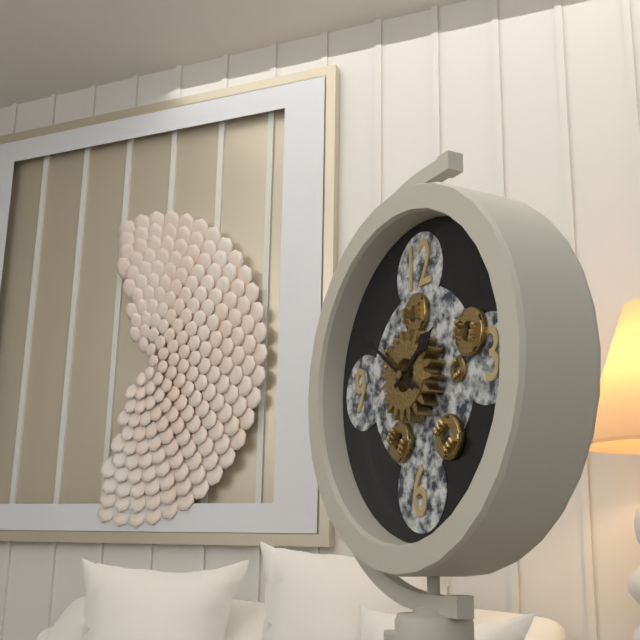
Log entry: {"hour": 1, "minute": 51}
